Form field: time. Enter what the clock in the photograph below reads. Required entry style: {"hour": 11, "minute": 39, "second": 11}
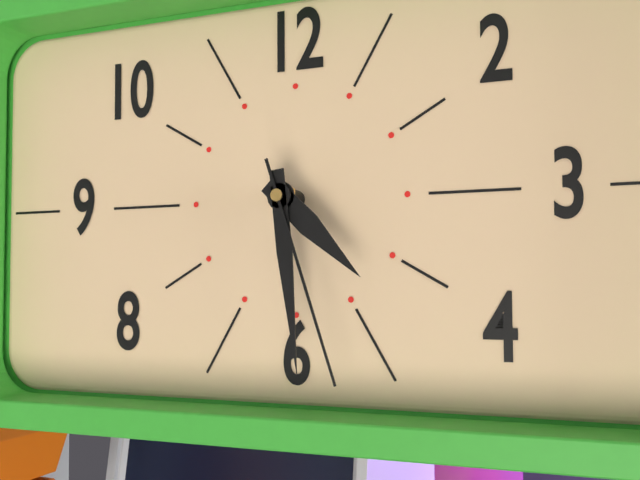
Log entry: {"hour": 4, "minute": 29, "second": 27}
